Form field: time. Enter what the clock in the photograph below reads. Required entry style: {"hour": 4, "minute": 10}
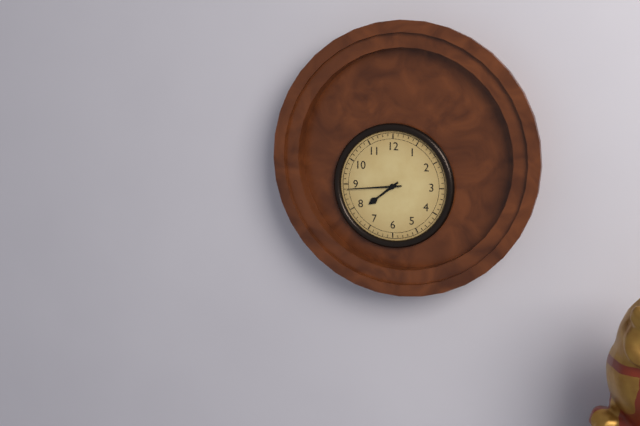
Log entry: {"hour": 7, "minute": 44}
